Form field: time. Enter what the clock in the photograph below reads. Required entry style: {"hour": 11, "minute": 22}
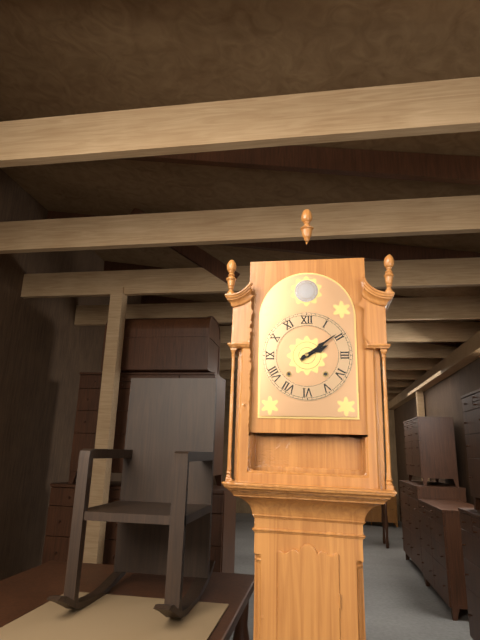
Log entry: {"hour": 2, "minute": 9}
